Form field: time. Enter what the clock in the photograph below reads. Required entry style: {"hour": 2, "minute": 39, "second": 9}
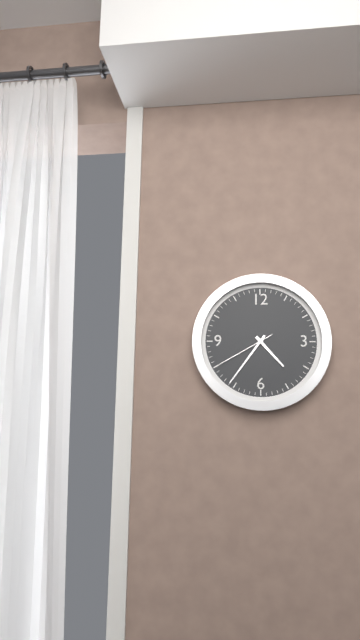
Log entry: {"hour": 4, "minute": 36, "second": 40}
